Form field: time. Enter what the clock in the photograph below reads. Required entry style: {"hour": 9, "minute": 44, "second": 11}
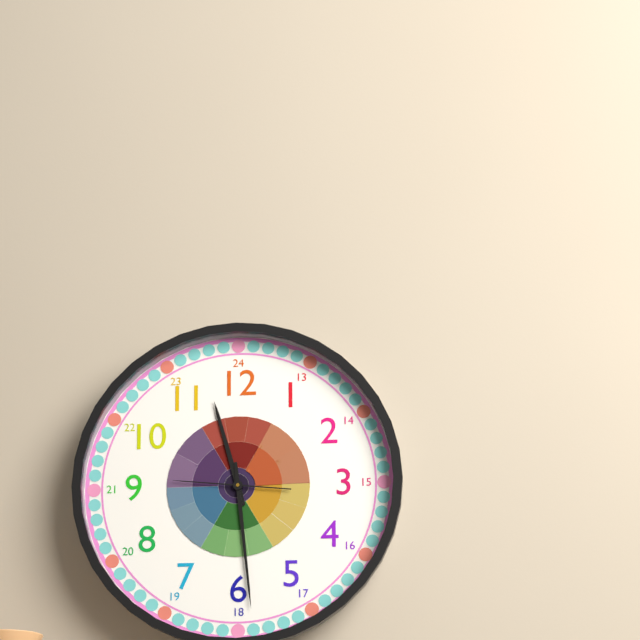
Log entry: {"hour": 11, "minute": 29, "second": 46}
